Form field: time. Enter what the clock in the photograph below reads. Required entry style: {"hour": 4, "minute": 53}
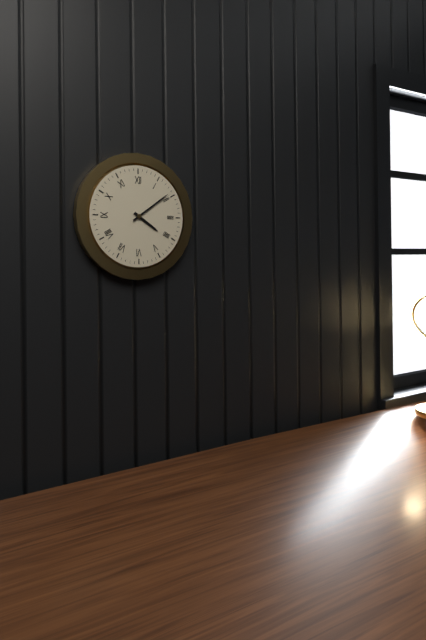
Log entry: {"hour": 4, "minute": 9}
